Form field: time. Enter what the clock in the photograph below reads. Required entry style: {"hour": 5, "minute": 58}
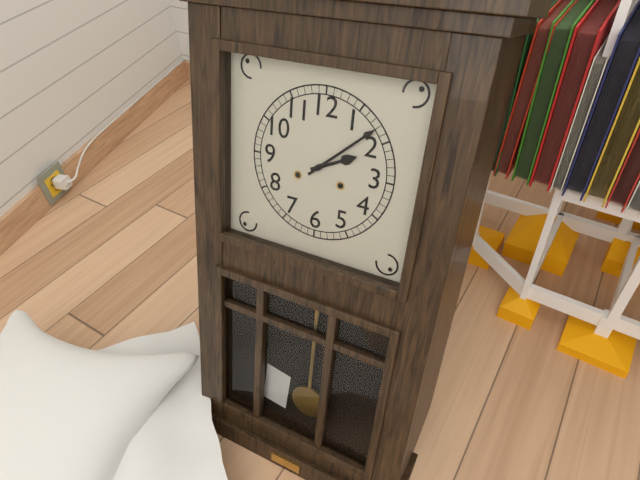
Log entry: {"hour": 2, "minute": 8}
